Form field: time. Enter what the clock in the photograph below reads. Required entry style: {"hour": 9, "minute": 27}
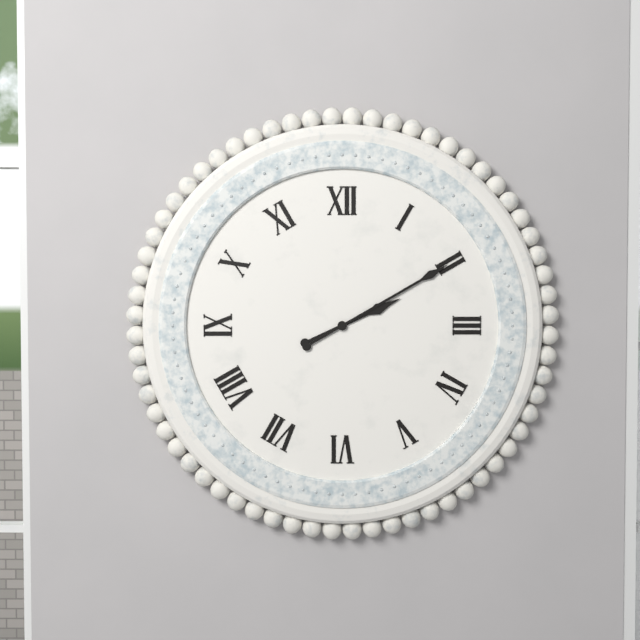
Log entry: {"hour": 2, "minute": 10}
